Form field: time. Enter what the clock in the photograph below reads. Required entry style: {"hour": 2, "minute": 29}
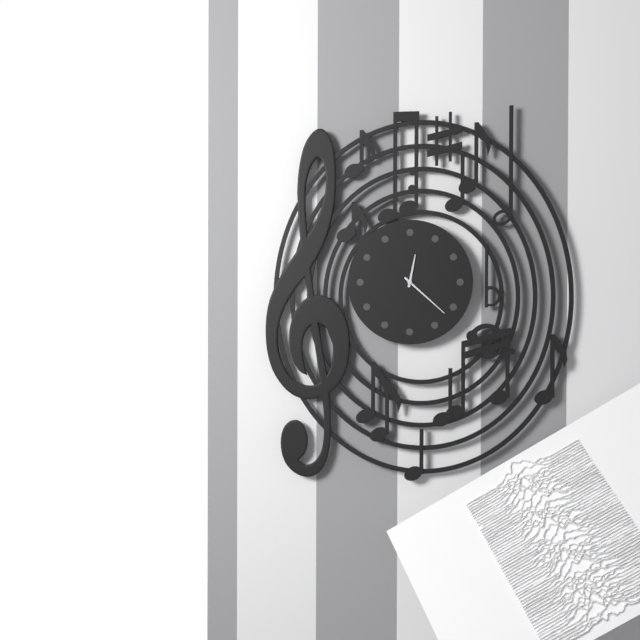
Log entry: {"hour": 12, "minute": 22}
